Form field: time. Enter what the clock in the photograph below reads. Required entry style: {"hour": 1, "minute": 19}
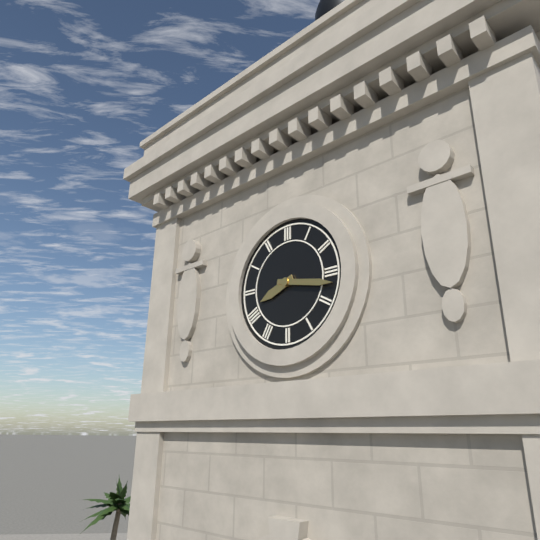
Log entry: {"hour": 8, "minute": 17}
